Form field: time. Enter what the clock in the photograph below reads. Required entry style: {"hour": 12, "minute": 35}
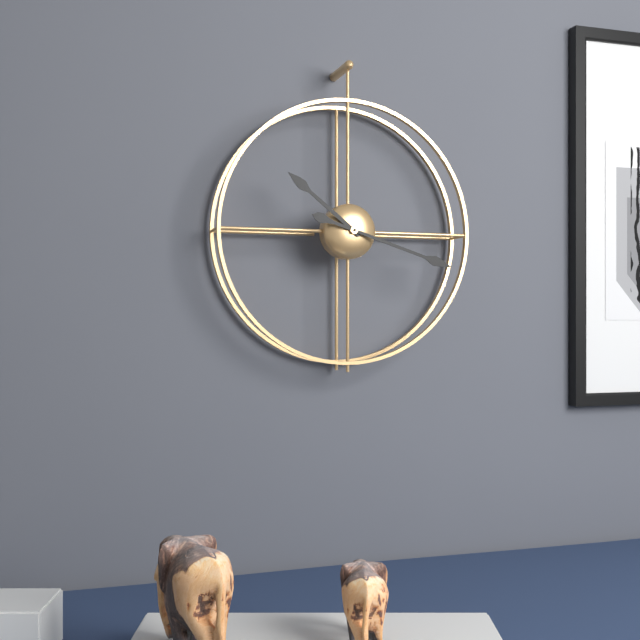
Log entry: {"hour": 10, "minute": 18}
